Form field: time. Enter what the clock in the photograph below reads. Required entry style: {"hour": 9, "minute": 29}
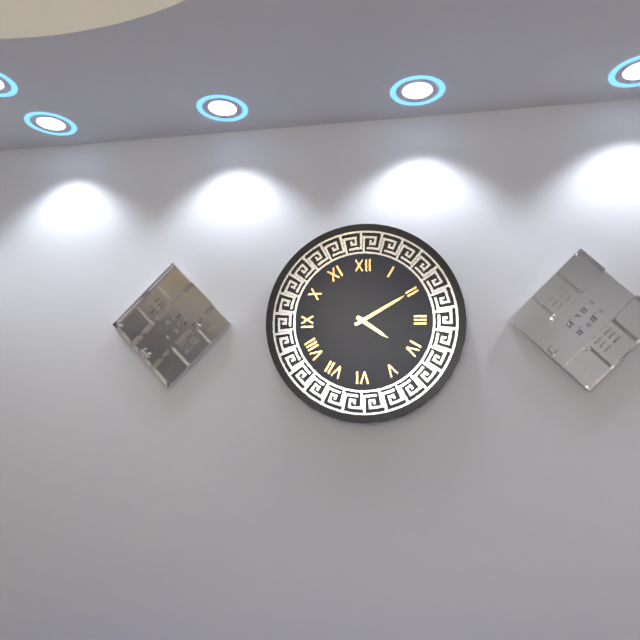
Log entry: {"hour": 4, "minute": 10}
